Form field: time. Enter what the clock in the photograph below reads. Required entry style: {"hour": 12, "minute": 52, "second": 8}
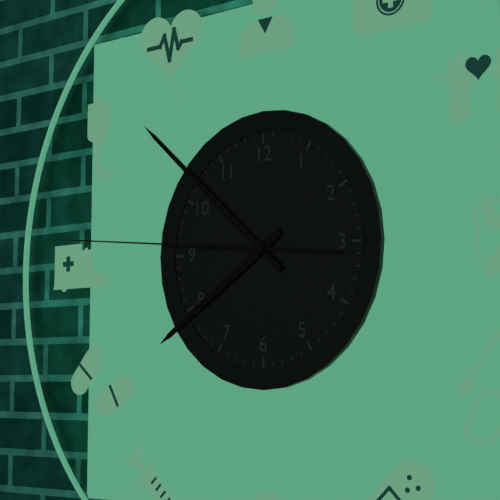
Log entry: {"hour": 7, "minute": 52, "second": 46}
